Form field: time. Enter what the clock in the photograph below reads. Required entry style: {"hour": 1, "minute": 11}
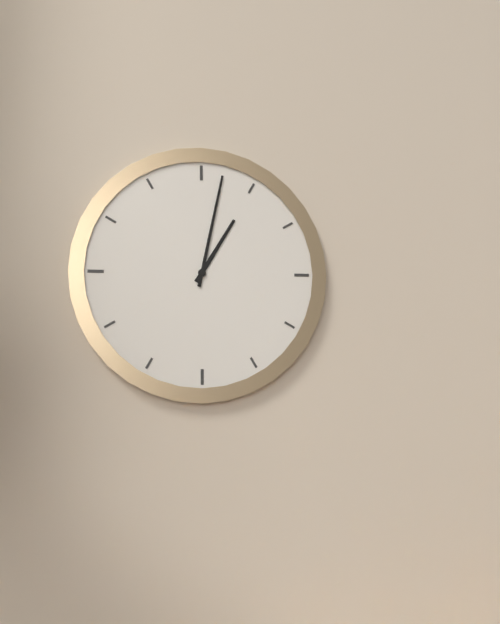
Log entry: {"hour": 1, "minute": 2}
